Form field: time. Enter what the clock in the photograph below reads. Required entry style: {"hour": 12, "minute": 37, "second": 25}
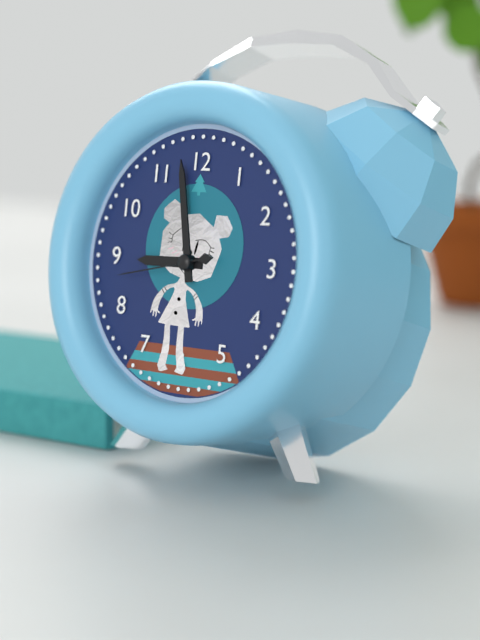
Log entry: {"hour": 8, "minute": 58, "second": 43}
